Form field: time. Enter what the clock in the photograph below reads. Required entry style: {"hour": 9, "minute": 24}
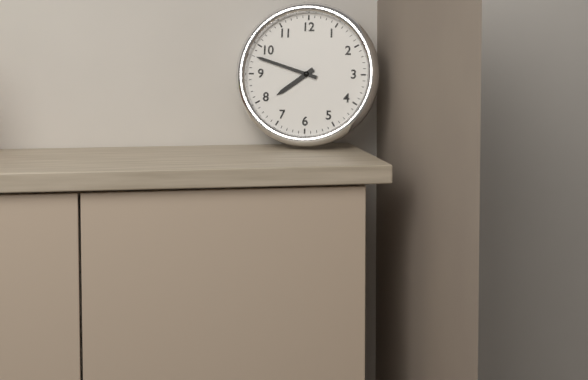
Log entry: {"hour": 7, "minute": 48}
